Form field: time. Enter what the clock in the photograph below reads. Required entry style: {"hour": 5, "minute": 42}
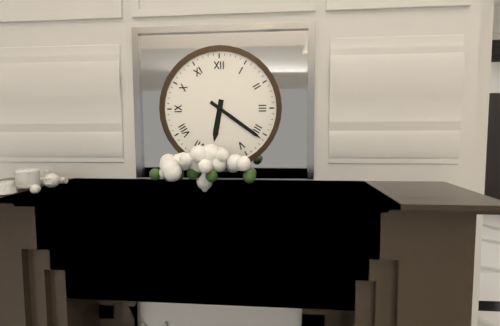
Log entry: {"hour": 6, "minute": 21}
